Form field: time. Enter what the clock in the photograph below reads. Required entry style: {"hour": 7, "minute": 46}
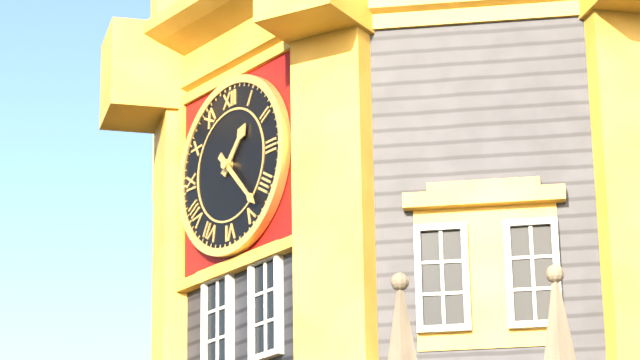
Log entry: {"hour": 1, "minute": 23}
